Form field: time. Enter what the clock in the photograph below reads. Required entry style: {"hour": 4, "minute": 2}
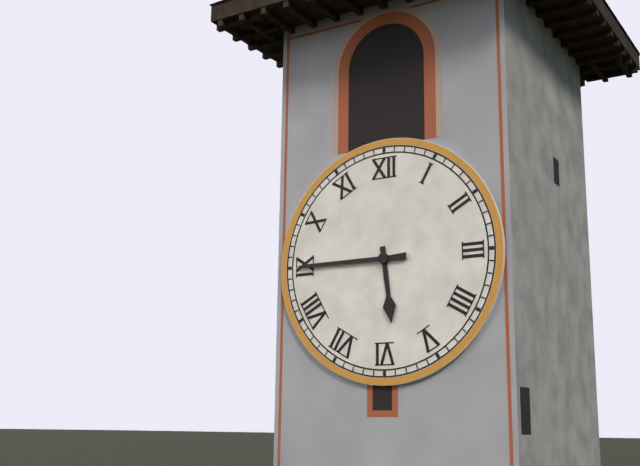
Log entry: {"hour": 5, "minute": 45}
